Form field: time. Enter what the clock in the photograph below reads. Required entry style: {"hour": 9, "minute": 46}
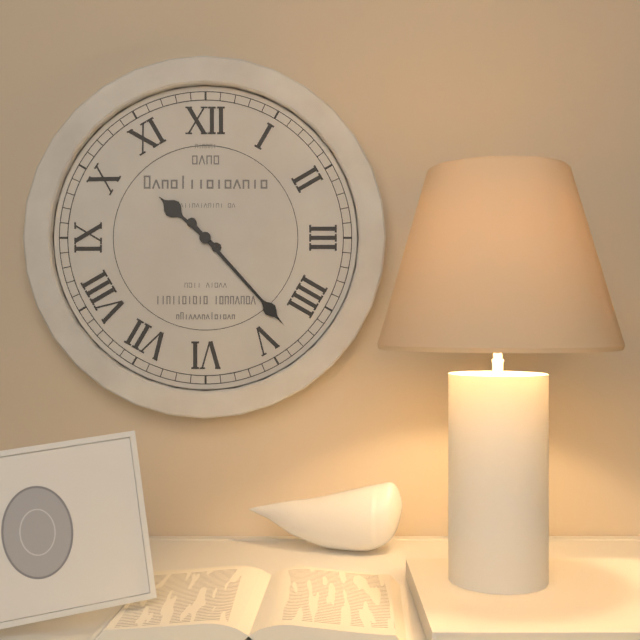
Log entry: {"hour": 10, "minute": 23}
